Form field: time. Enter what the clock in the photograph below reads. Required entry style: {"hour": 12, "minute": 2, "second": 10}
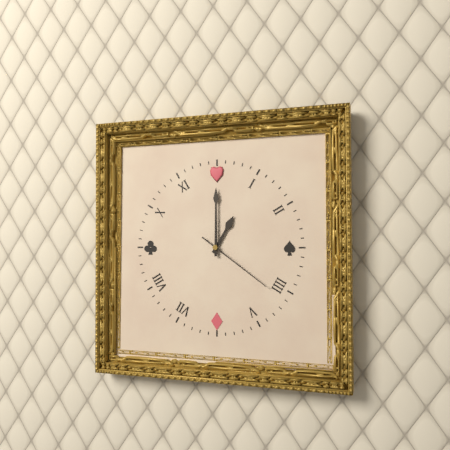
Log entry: {"hour": 1, "minute": 0, "second": 21}
